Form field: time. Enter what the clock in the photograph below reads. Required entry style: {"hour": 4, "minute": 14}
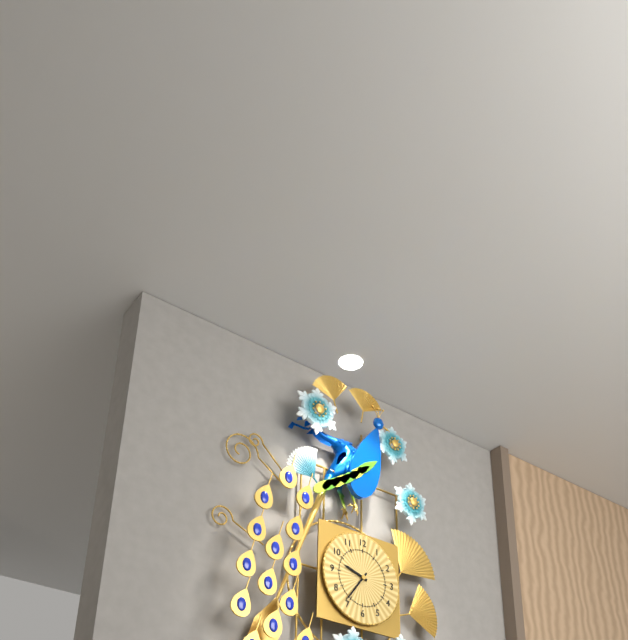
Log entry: {"hour": 9, "minute": 36}
